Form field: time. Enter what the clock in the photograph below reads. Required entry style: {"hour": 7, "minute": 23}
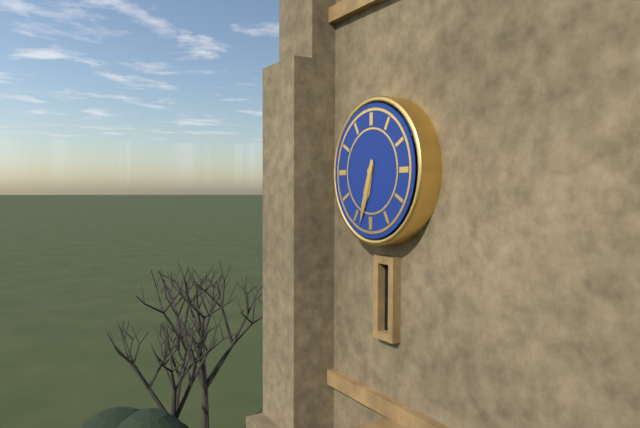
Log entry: {"hour": 6, "minute": 33}
